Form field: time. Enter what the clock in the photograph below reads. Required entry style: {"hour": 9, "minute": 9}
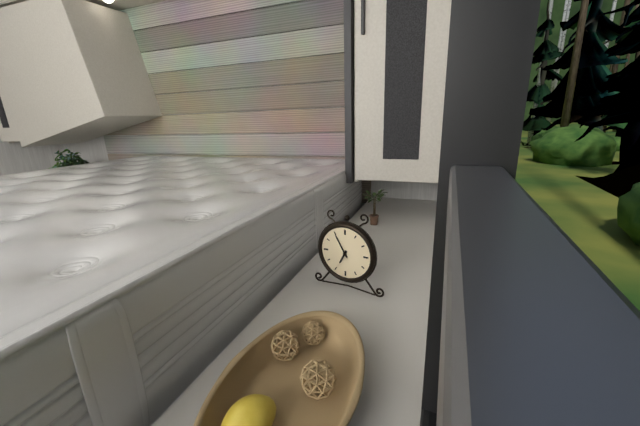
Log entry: {"hour": 6, "minute": 55}
